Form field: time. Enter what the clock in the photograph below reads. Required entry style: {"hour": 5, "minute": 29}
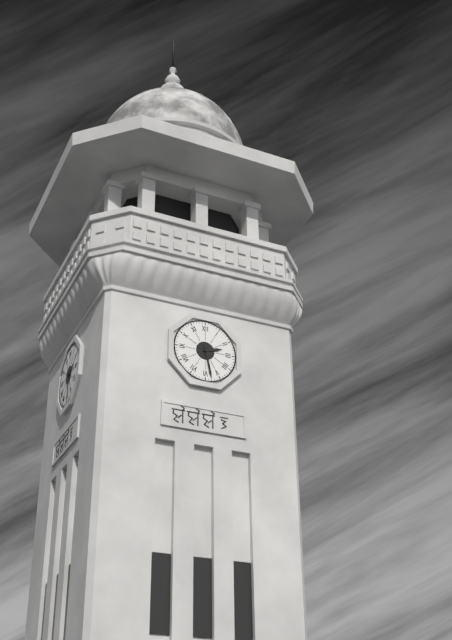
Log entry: {"hour": 2, "minute": 28}
